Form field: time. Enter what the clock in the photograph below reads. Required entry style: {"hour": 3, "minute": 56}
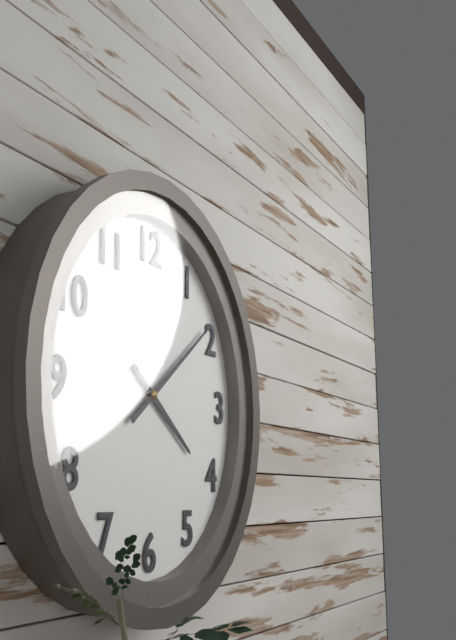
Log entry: {"hour": 4, "minute": 9}
